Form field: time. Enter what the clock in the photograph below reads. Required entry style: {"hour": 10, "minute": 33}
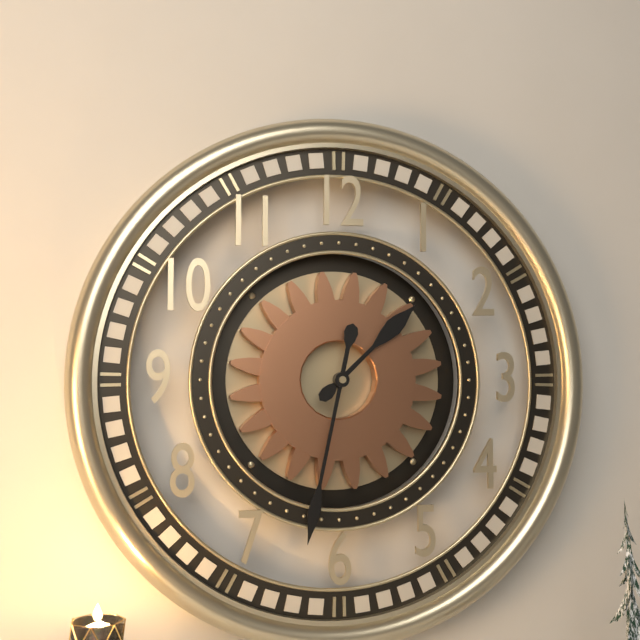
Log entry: {"hour": 1, "minute": 32}
